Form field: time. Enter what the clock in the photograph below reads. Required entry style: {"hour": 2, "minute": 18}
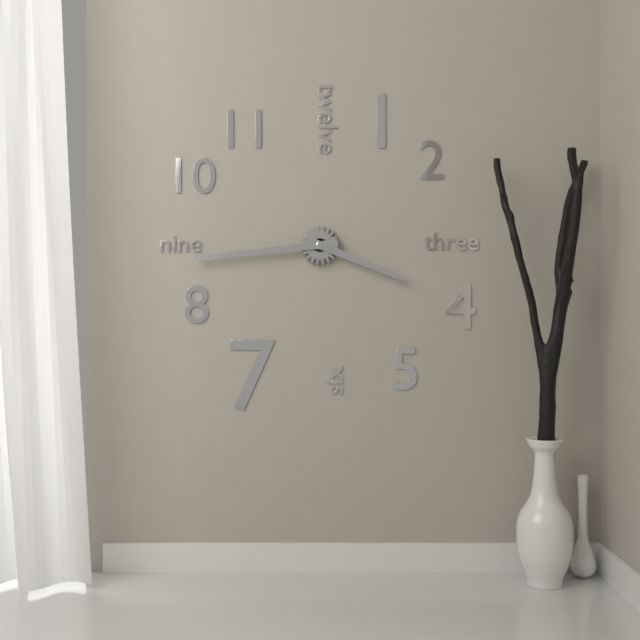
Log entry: {"hour": 3, "minute": 44}
